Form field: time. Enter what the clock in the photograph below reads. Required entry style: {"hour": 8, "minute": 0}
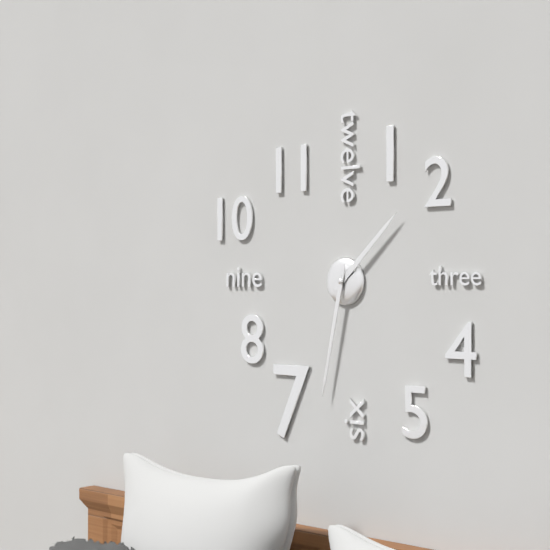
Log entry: {"hour": 1, "minute": 32}
